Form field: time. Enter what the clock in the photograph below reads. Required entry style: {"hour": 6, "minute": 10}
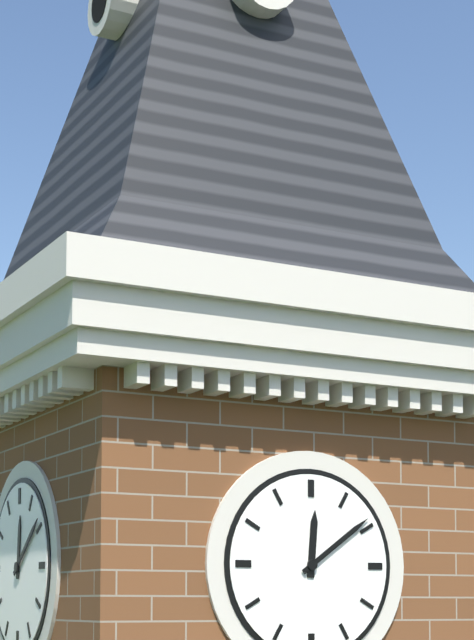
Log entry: {"hour": 12, "minute": 9}
